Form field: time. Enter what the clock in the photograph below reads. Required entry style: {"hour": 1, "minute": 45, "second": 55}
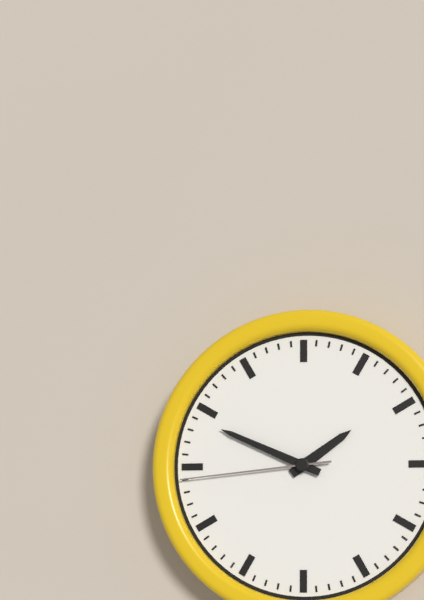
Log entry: {"hour": 1, "minute": 49, "second": 44}
